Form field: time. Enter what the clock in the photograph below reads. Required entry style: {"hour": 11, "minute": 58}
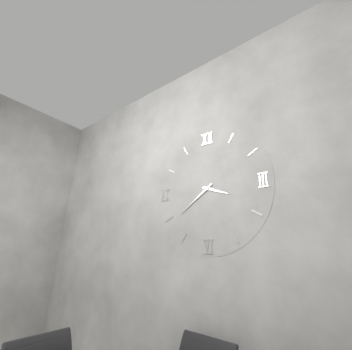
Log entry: {"hour": 3, "minute": 39}
